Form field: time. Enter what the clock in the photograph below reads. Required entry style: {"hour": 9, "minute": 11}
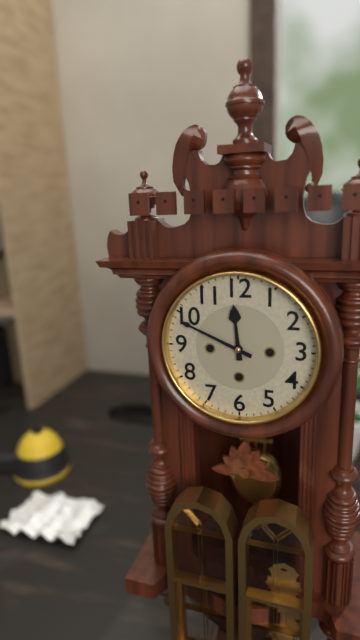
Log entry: {"hour": 11, "minute": 49}
